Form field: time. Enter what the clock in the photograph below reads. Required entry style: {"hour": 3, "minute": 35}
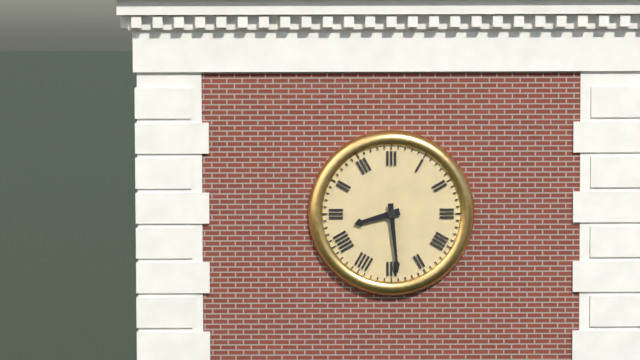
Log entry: {"hour": 8, "minute": 29}
